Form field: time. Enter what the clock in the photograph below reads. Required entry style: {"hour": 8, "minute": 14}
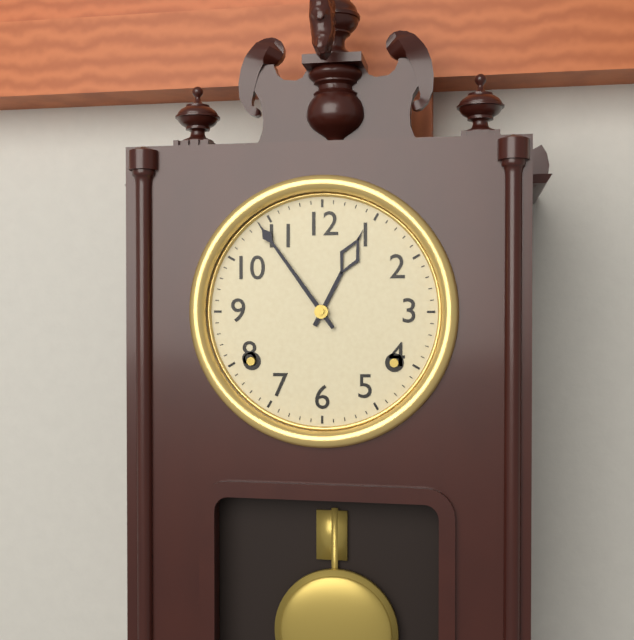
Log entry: {"hour": 12, "minute": 54}
